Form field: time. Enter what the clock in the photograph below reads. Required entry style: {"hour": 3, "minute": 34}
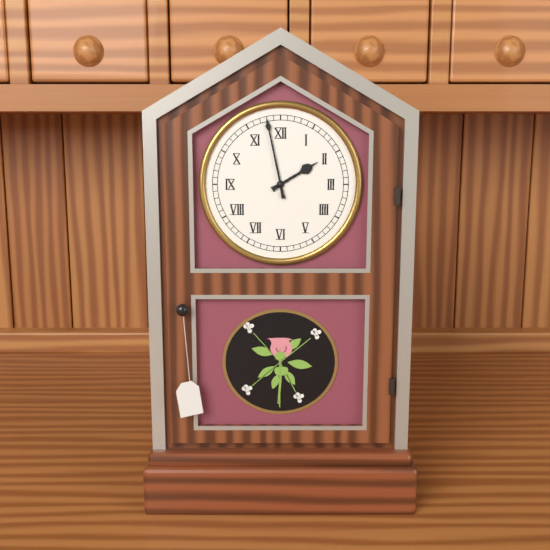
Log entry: {"hour": 1, "minute": 58}
